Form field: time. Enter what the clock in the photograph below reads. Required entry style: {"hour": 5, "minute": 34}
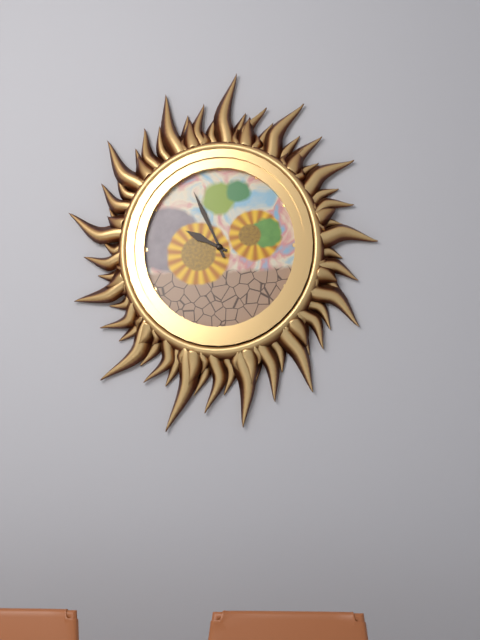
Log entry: {"hour": 9, "minute": 56}
